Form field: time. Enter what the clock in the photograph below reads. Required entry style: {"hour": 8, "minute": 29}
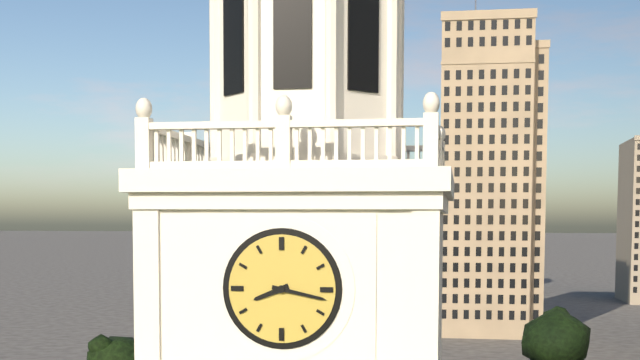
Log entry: {"hour": 8, "minute": 17}
